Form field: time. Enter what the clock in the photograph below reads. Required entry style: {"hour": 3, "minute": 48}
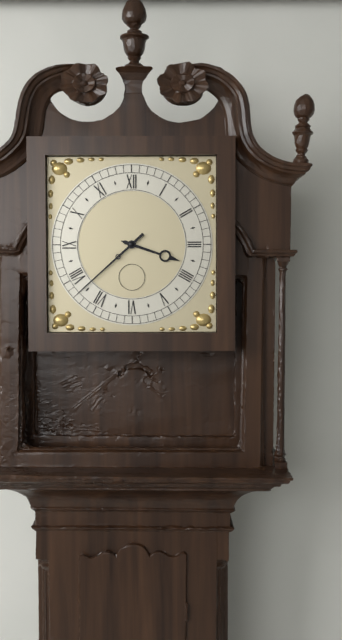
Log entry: {"hour": 3, "minute": 38}
